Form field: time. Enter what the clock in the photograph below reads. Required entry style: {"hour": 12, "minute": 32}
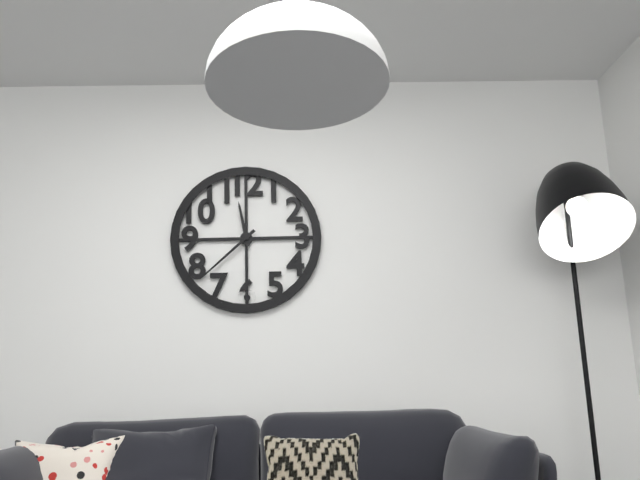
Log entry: {"hour": 11, "minute": 38}
